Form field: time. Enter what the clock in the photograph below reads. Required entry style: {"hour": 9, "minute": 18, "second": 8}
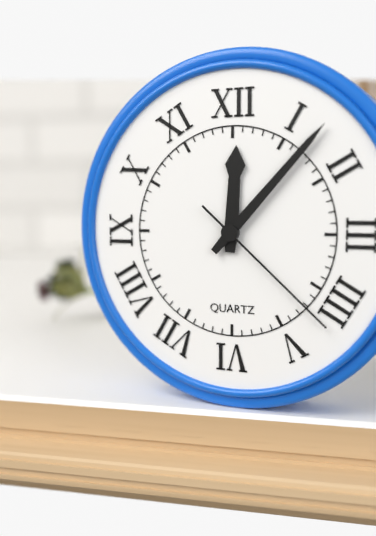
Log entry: {"hour": 12, "minute": 7, "second": 22}
